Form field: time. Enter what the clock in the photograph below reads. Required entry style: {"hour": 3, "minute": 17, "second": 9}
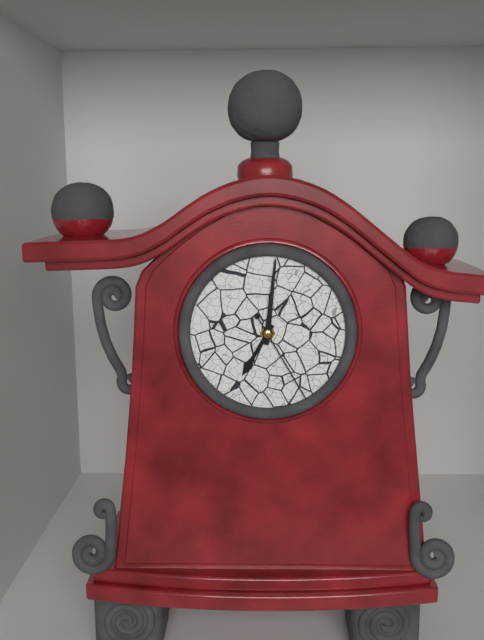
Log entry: {"hour": 7, "minute": 1, "second": 25}
